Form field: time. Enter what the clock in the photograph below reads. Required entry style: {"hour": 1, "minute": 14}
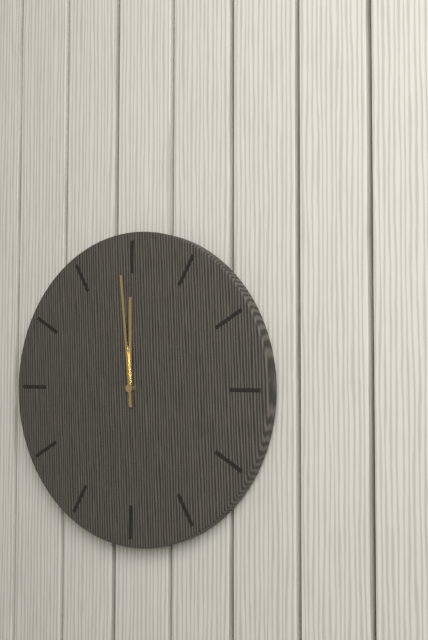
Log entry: {"hour": 11, "minute": 59}
